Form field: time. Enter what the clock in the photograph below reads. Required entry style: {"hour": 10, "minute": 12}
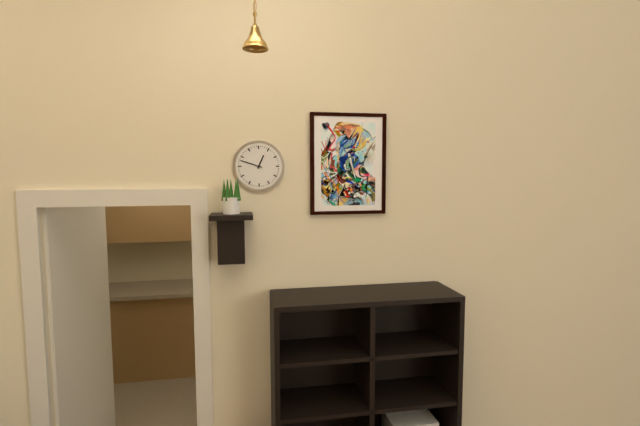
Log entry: {"hour": 12, "minute": 48}
